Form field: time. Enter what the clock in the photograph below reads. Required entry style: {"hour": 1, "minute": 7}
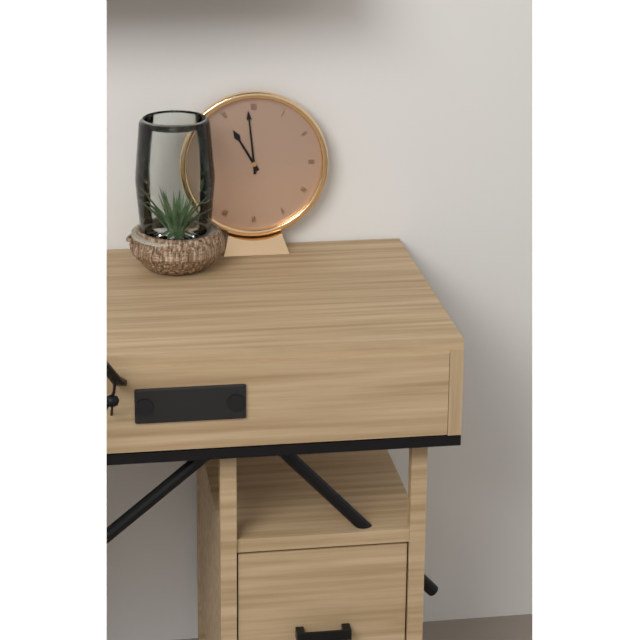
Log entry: {"hour": 10, "minute": 59}
